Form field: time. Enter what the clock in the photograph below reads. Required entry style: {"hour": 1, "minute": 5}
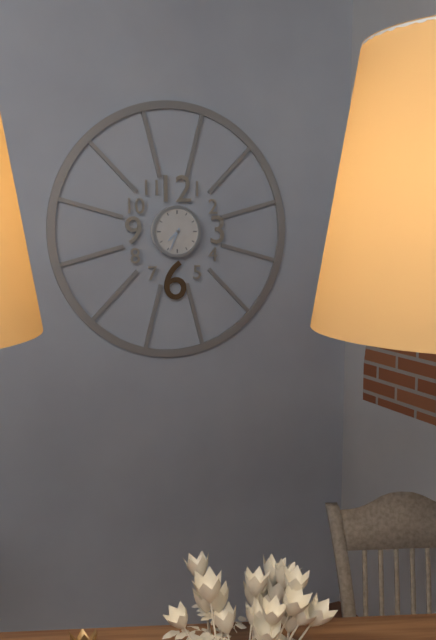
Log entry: {"hour": 7, "minute": 34}
